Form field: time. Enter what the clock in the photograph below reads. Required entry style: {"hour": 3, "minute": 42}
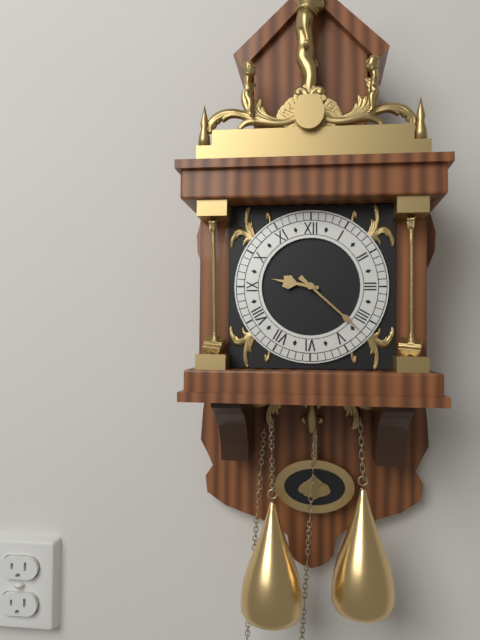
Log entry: {"hour": 9, "minute": 22}
